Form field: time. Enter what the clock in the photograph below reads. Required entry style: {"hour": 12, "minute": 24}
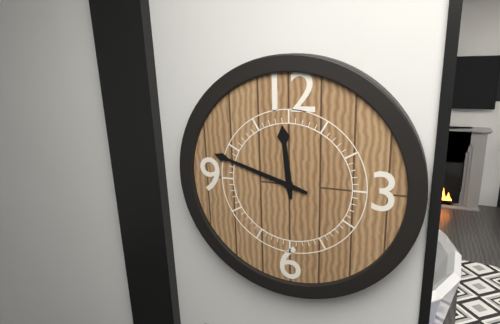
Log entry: {"hour": 11, "minute": 48}
